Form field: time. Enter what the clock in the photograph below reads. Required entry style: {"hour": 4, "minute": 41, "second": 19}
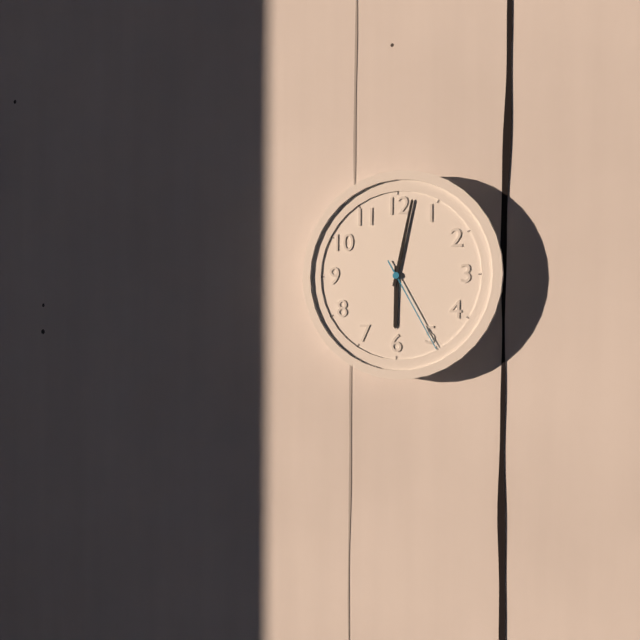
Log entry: {"hour": 6, "minute": 2, "second": 25}
